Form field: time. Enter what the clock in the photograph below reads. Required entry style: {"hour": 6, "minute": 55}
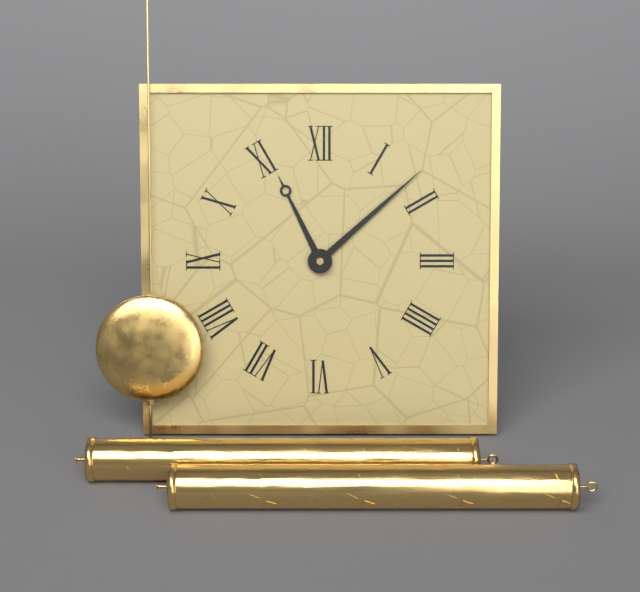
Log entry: {"hour": 11, "minute": 8}
